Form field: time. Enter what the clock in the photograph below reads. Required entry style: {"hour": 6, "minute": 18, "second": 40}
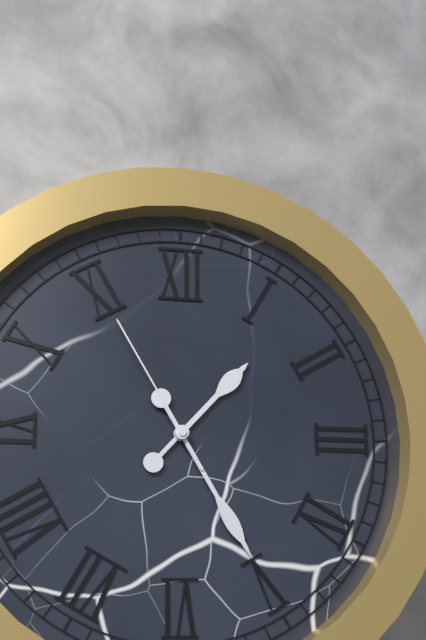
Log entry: {"hour": 1, "minute": 25, "second": 55}
